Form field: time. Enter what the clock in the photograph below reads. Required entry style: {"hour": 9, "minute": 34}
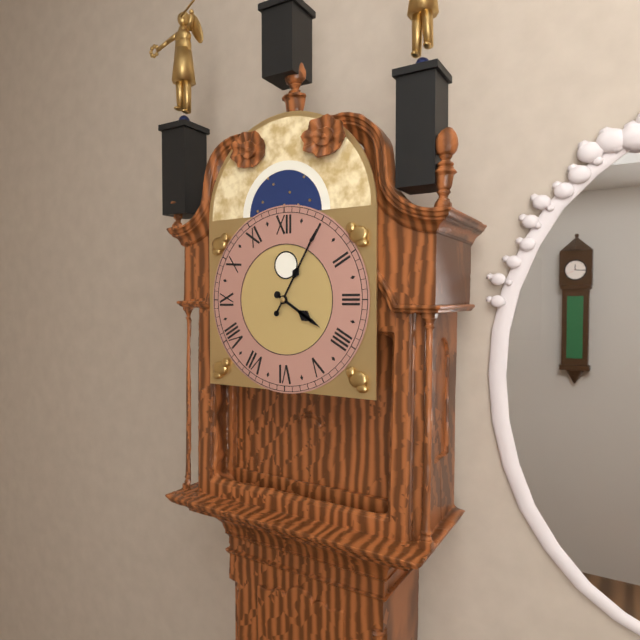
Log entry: {"hour": 4, "minute": 5}
